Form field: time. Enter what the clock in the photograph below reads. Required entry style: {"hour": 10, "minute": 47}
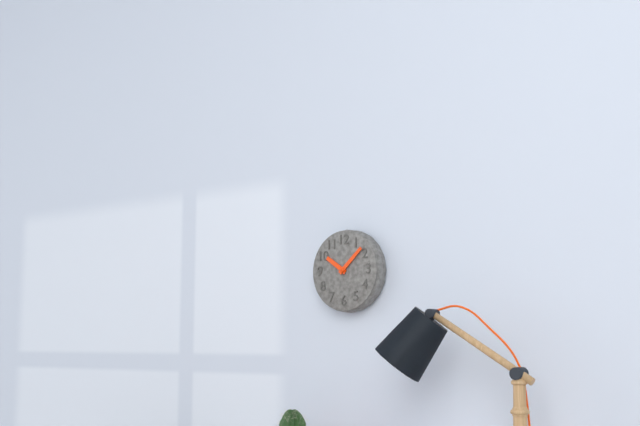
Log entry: {"hour": 10, "minute": 8}
